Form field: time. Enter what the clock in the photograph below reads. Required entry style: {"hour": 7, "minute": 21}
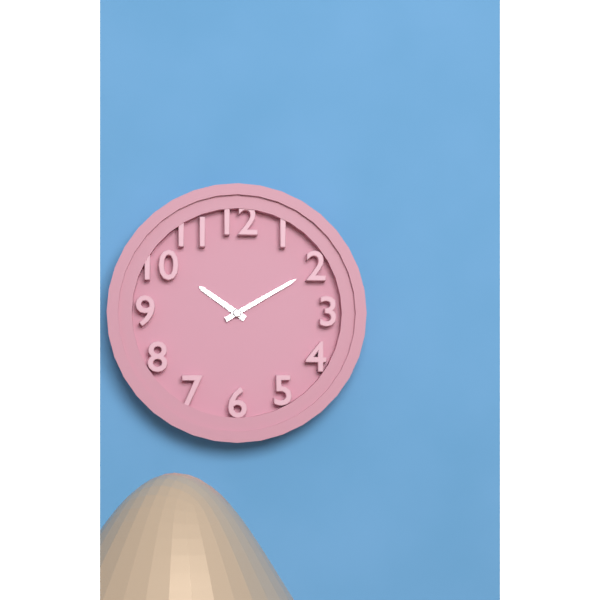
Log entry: {"hour": 10, "minute": 10}
